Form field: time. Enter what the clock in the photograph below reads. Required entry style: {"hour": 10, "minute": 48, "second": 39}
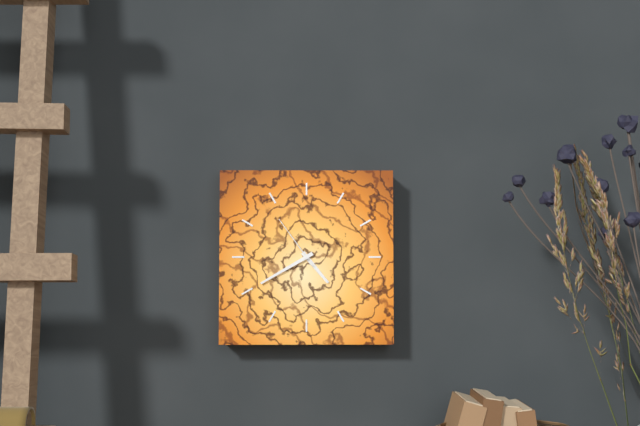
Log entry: {"hour": 4, "minute": 40, "second": 54}
